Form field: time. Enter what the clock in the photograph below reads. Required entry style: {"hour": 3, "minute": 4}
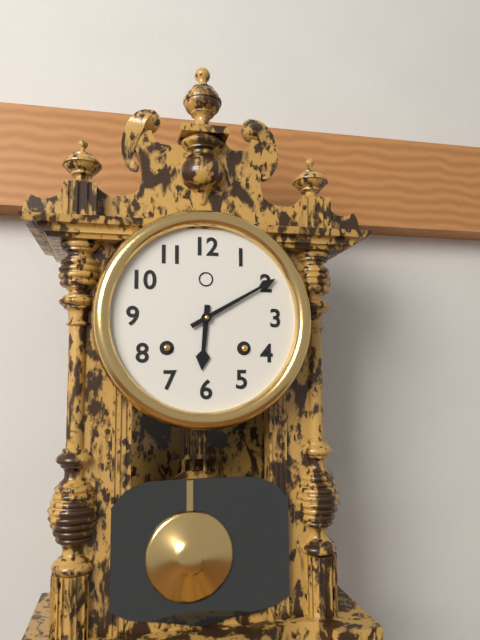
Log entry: {"hour": 6, "minute": 10}
